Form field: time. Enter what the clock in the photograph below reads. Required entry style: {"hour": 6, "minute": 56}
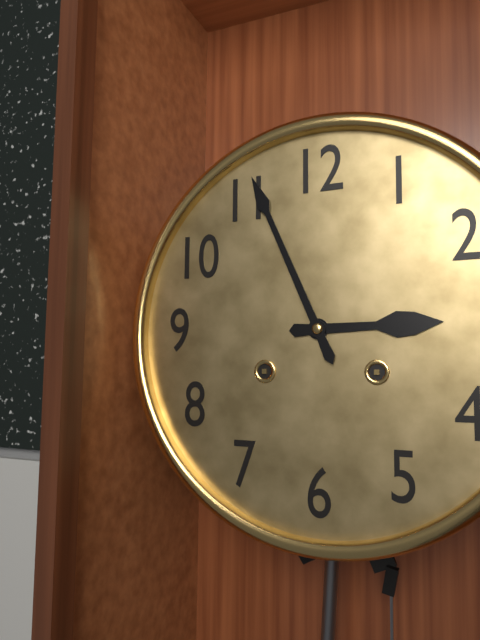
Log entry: {"hour": 2, "minute": 56}
